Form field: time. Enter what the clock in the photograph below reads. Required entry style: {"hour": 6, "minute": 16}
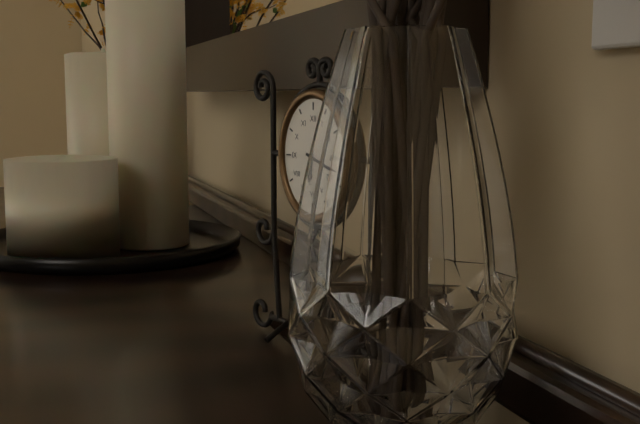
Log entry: {"hour": 6, "minute": 18}
